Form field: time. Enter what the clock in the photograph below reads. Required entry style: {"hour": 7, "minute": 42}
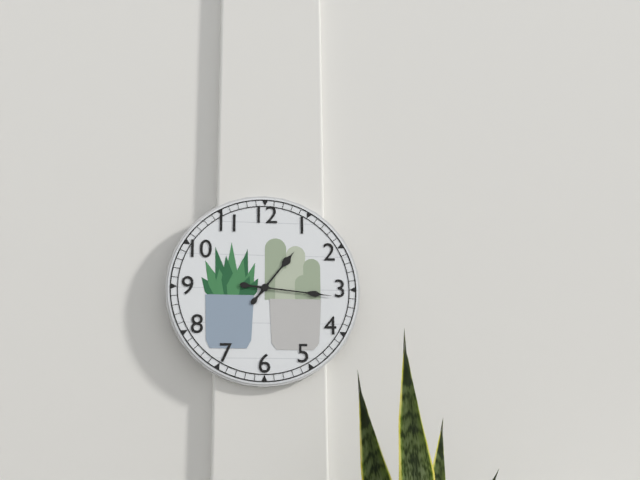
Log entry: {"hour": 1, "minute": 16}
